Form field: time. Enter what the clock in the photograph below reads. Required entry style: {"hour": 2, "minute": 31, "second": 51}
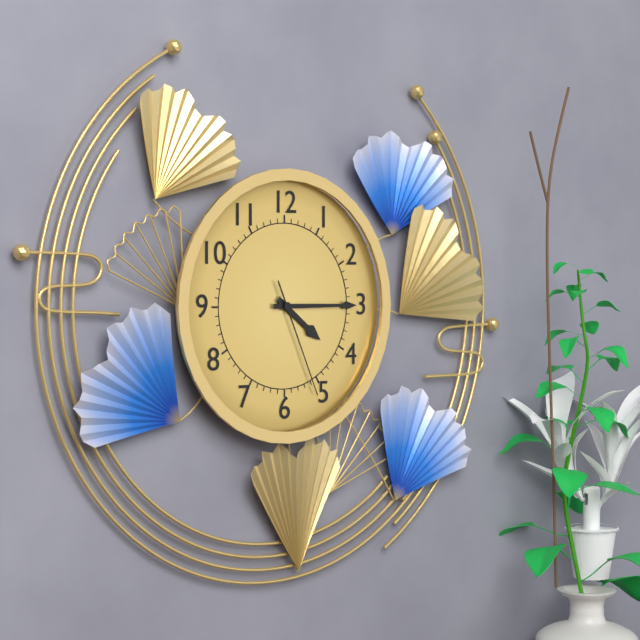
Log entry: {"hour": 4, "minute": 15, "second": 26}
